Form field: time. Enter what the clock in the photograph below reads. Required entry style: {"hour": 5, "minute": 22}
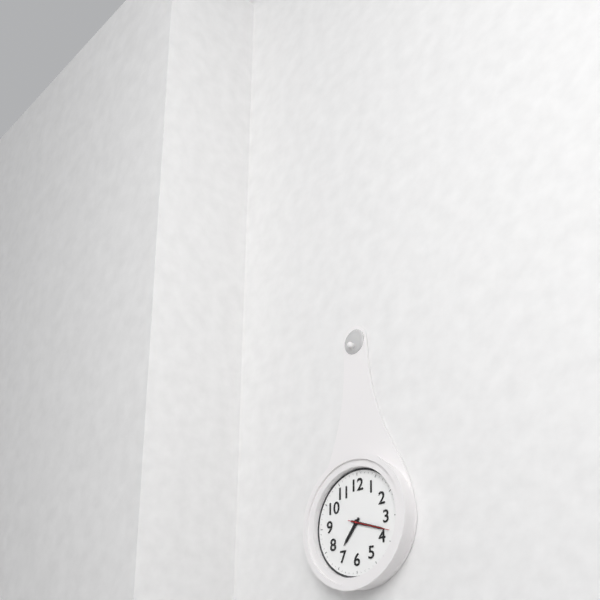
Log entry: {"hour": 7, "minute": 18}
